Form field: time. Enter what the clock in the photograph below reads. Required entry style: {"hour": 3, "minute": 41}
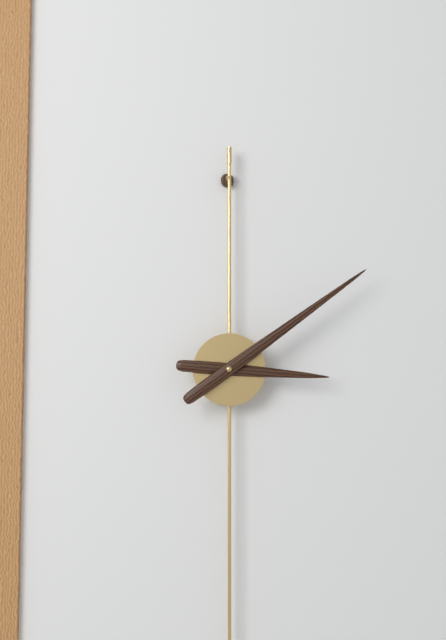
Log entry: {"hour": 3, "minute": 9}
